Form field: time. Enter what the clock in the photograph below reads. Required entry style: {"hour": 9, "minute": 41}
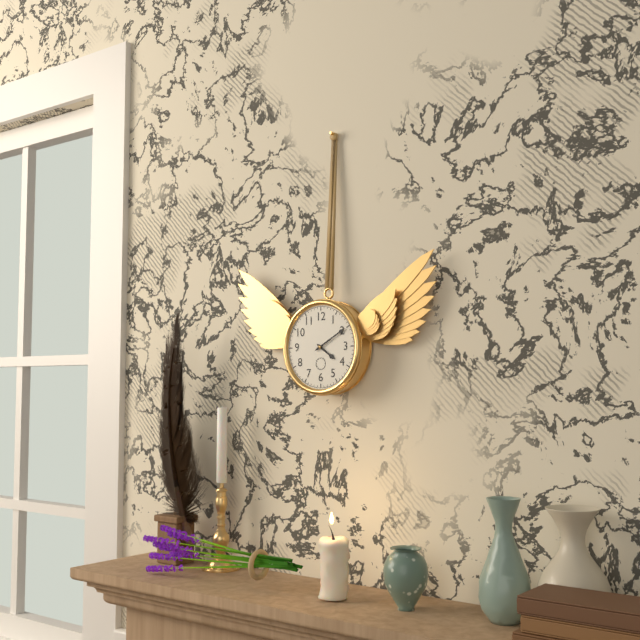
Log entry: {"hour": 4, "minute": 10}
